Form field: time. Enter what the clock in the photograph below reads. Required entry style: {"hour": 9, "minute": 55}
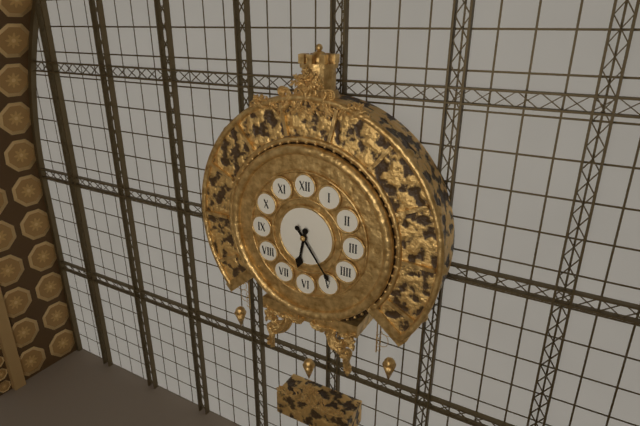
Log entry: {"hour": 6, "minute": 24}
